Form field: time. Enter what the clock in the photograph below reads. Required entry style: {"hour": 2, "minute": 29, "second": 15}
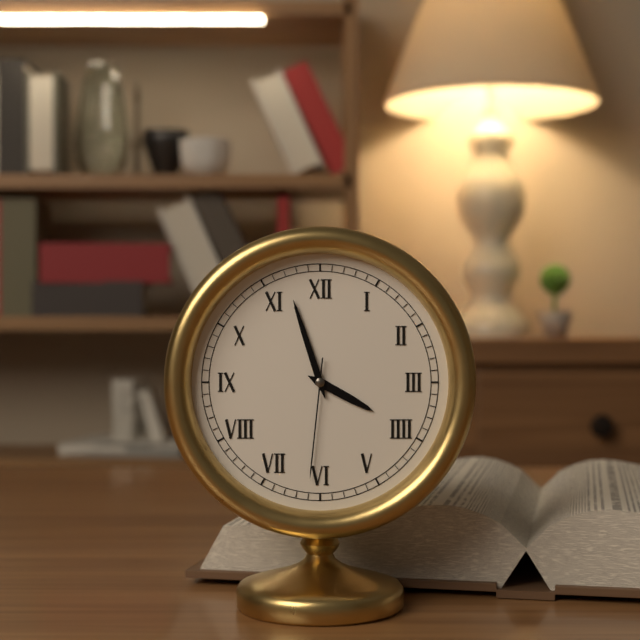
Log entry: {"hour": 3, "minute": 57, "second": 31}
